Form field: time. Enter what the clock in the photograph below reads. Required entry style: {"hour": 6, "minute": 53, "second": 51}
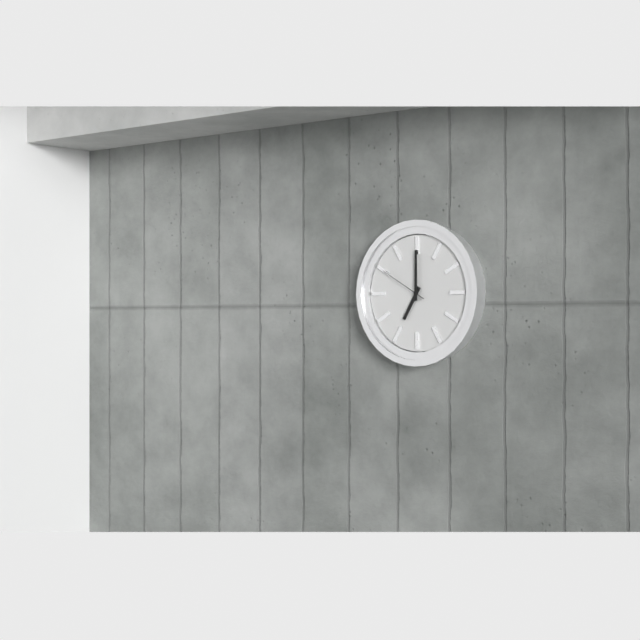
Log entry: {"hour": 7, "minute": 0, "second": 50}
